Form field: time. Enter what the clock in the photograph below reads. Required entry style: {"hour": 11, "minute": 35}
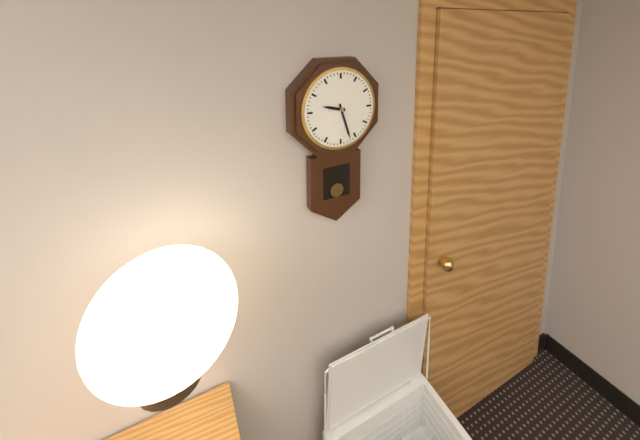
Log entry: {"hour": 9, "minute": 27}
